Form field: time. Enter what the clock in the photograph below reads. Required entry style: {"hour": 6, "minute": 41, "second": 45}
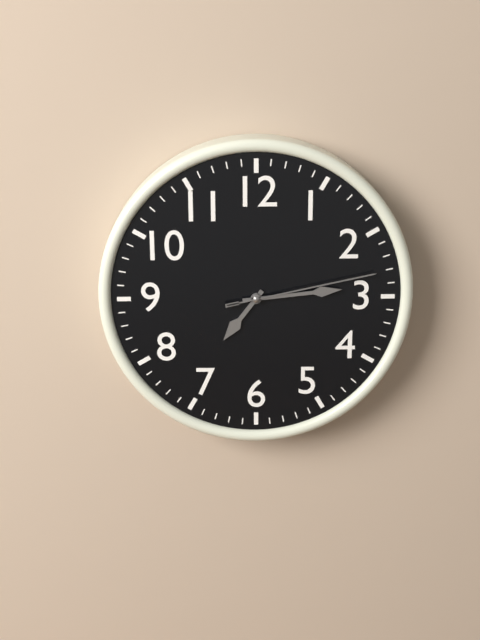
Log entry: {"hour": 7, "minute": 14, "second": 13}
